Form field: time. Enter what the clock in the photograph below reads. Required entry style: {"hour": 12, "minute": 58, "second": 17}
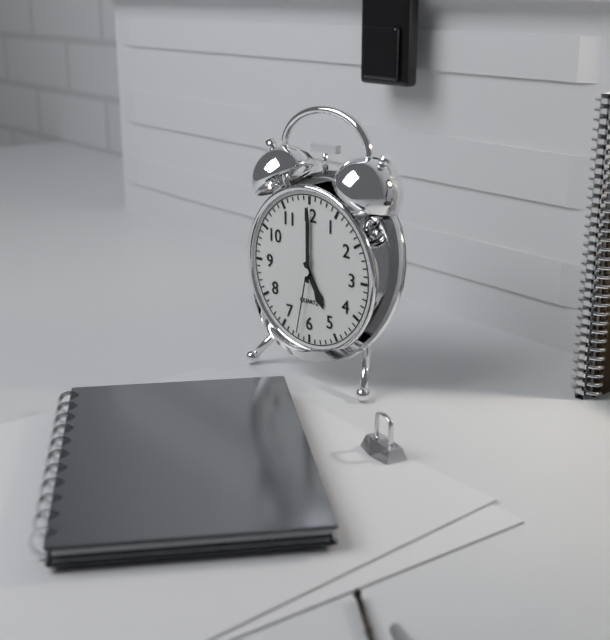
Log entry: {"hour": 5, "minute": 0, "second": 32}
